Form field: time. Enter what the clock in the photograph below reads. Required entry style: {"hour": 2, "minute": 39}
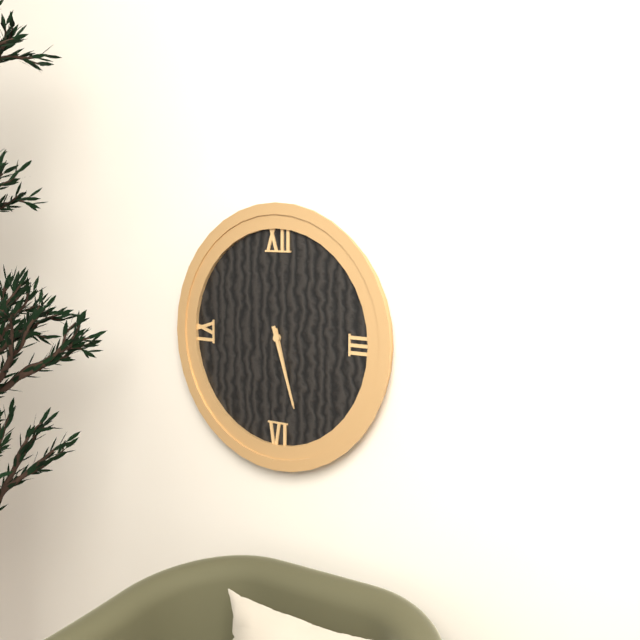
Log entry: {"hour": 5, "minute": 27}
